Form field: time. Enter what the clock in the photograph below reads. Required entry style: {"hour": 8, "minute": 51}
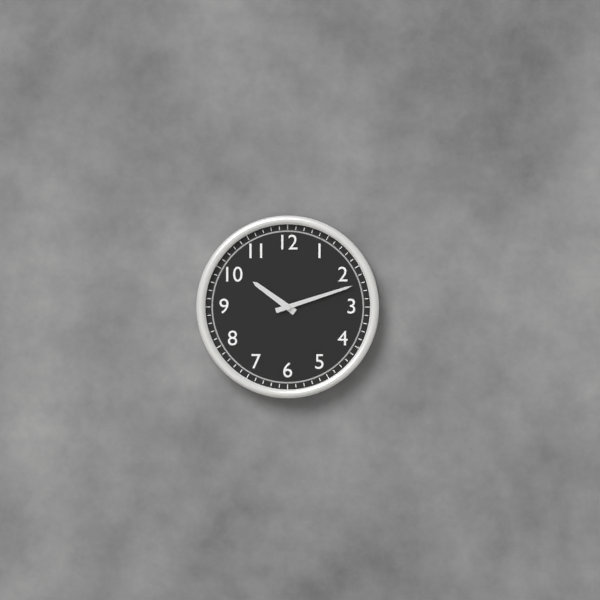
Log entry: {"hour": 10, "minute": 12}
